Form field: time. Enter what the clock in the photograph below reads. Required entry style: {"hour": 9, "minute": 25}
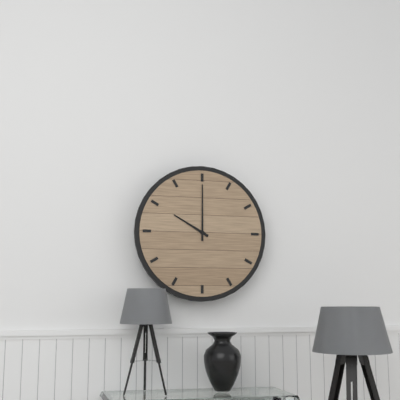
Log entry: {"hour": 10, "minute": 0}
